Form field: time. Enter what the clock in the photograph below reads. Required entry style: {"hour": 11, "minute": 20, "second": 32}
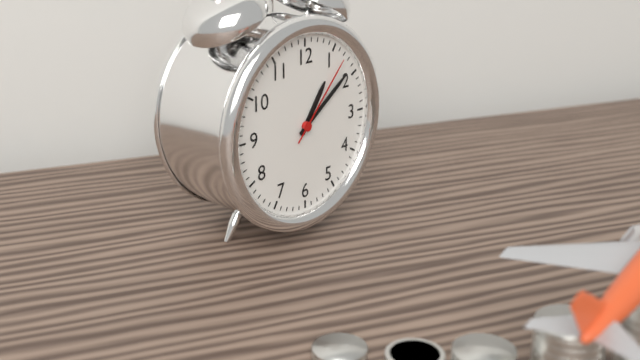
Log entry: {"hour": 1, "minute": 9, "second": 7}
